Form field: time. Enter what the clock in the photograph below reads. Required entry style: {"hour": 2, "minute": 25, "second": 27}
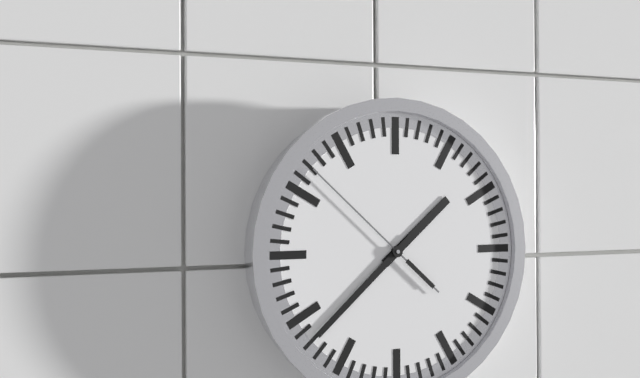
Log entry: {"hour": 1, "minute": 38, "second": 52}
